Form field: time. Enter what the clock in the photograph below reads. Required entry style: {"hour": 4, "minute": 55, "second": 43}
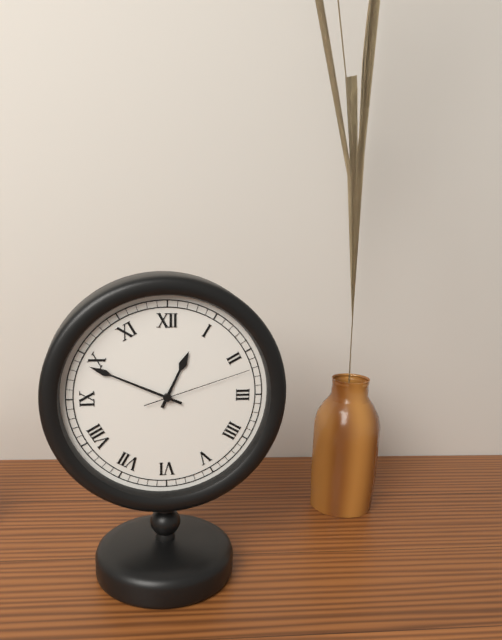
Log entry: {"hour": 12, "minute": 49, "second": 12}
